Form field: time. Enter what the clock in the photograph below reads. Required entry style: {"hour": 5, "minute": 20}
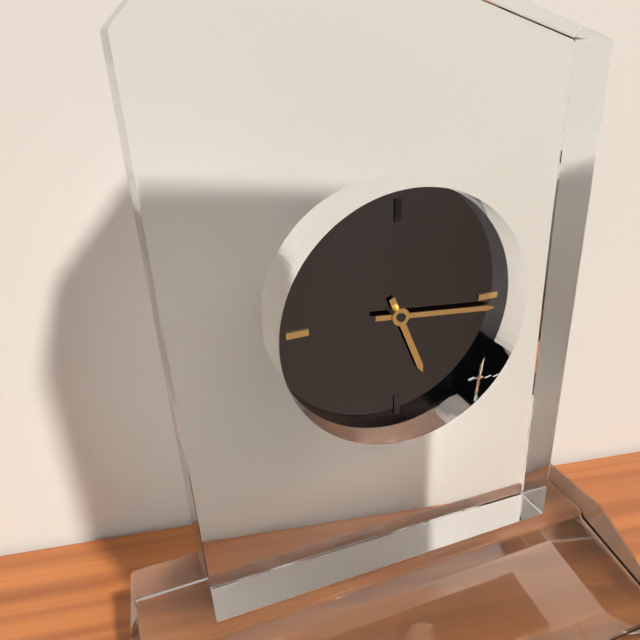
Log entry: {"hour": 5, "minute": 16}
